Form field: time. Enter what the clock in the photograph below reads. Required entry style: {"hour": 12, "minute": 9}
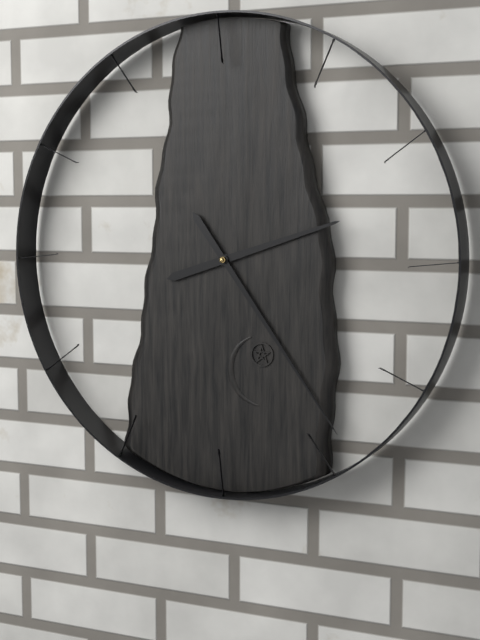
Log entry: {"hour": 2, "minute": 24}
